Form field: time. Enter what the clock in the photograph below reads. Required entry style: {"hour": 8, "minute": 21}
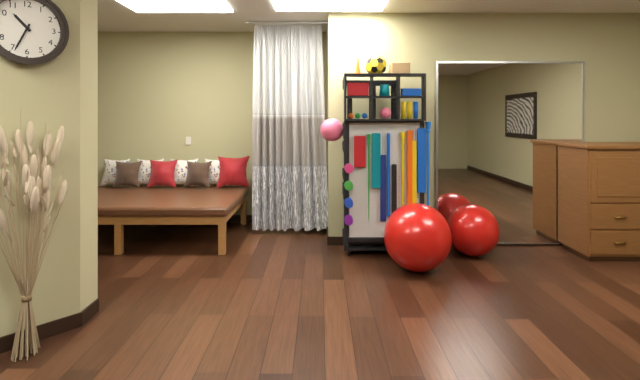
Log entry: {"hour": 10, "minute": 34}
